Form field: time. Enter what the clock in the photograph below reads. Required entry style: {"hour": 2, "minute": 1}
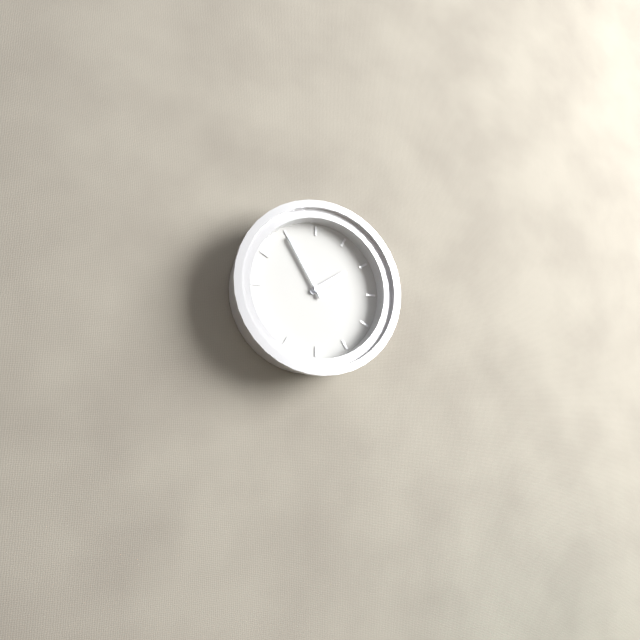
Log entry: {"hour": 1, "minute": 55}
